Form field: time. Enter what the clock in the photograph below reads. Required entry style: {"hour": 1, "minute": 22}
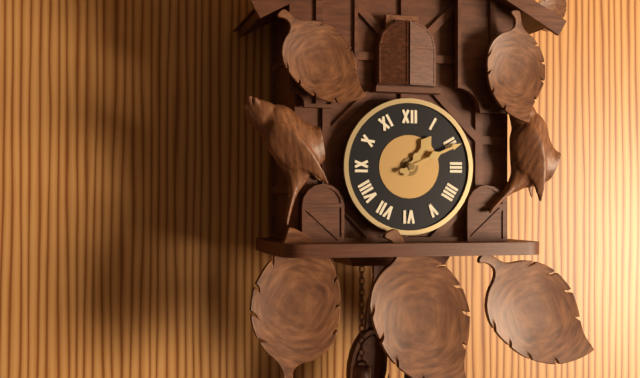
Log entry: {"hour": 1, "minute": 11}
